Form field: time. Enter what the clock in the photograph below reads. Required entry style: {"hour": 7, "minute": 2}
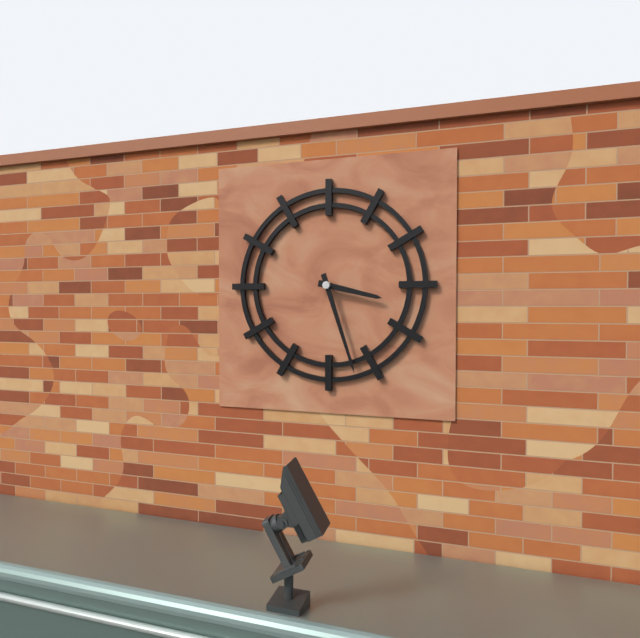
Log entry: {"hour": 3, "minute": 27}
